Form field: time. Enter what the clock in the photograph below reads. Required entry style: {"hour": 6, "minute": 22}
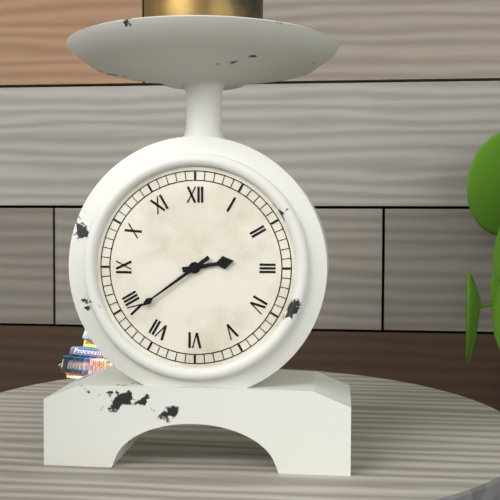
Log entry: {"hour": 2, "minute": 39}
